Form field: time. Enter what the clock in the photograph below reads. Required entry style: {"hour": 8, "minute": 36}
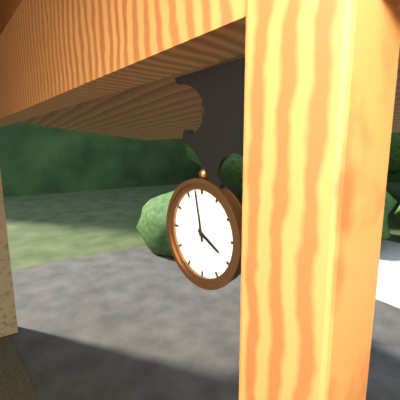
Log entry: {"hour": 3, "minute": 58}
